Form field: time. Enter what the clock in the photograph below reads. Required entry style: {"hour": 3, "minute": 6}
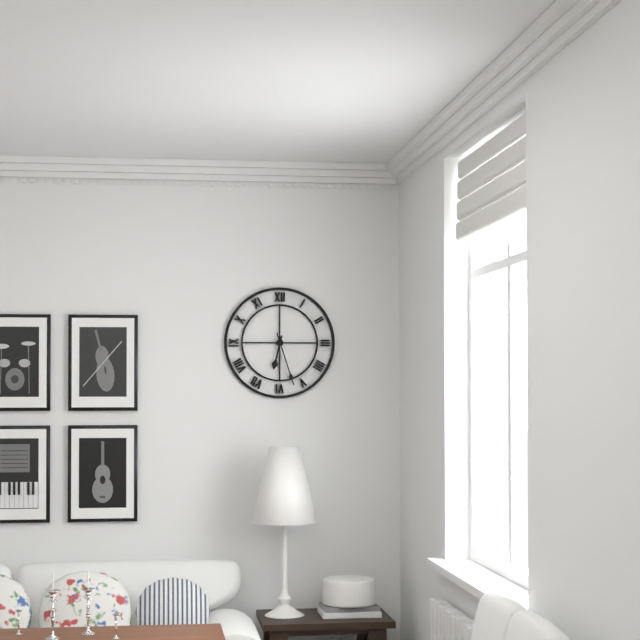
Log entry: {"hour": 6, "minute": 27}
